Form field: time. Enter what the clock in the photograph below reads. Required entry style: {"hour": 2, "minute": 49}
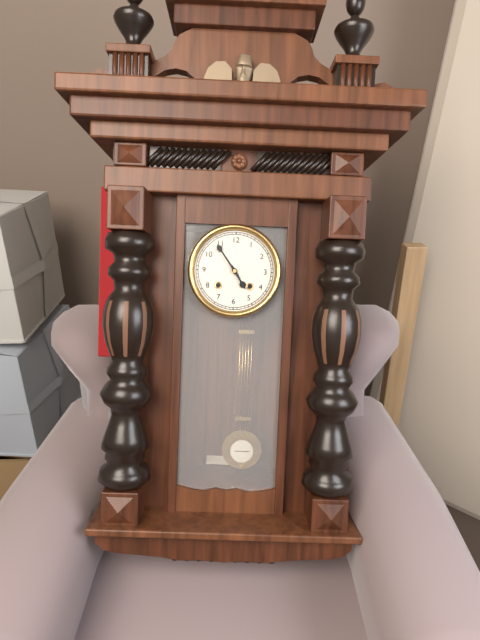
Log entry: {"hour": 4, "minute": 54}
